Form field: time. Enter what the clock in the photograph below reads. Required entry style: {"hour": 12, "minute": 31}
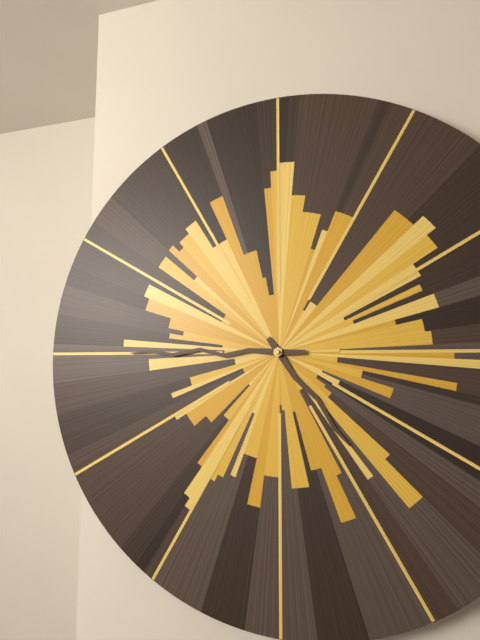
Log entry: {"hour": 4, "minute": 45}
